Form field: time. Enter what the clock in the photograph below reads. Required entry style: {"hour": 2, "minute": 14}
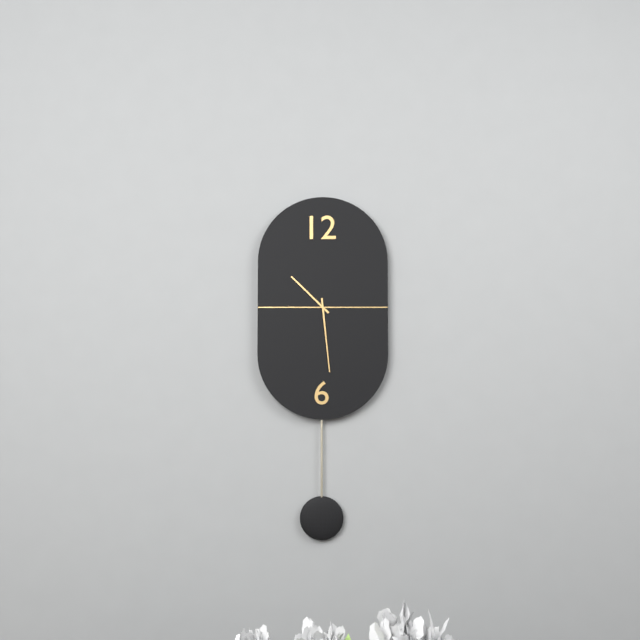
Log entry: {"hour": 10, "minute": 29}
